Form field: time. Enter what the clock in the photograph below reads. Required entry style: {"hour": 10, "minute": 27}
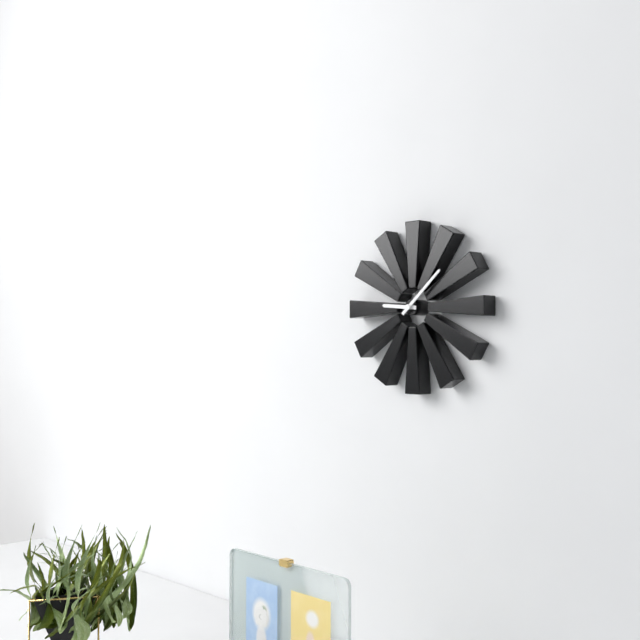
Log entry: {"hour": 9, "minute": 8}
